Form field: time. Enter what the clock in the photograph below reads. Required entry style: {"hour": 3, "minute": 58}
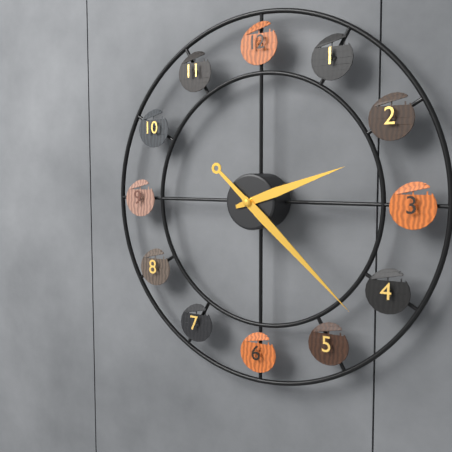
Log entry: {"hour": 2, "minute": 22}
